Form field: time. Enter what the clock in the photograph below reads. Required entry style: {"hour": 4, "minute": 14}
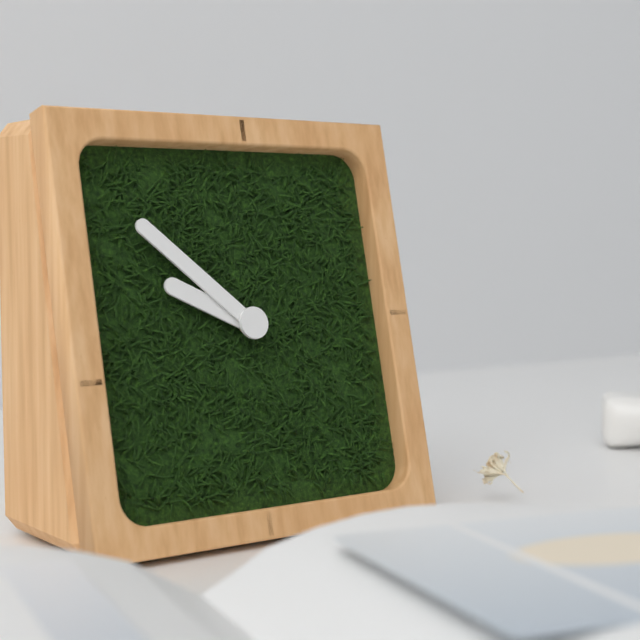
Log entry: {"hour": 9, "minute": 52}
